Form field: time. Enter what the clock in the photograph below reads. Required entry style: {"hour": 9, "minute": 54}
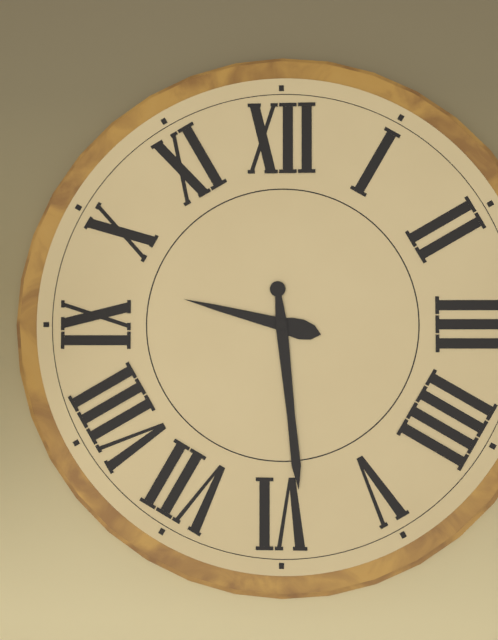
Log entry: {"hour": 9, "minute": 29}
